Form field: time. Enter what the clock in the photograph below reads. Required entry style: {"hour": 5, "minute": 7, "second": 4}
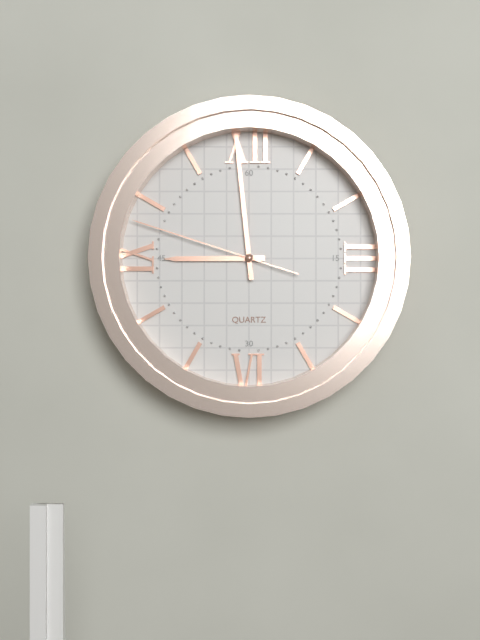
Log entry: {"hour": 8, "minute": 59, "second": 48}
